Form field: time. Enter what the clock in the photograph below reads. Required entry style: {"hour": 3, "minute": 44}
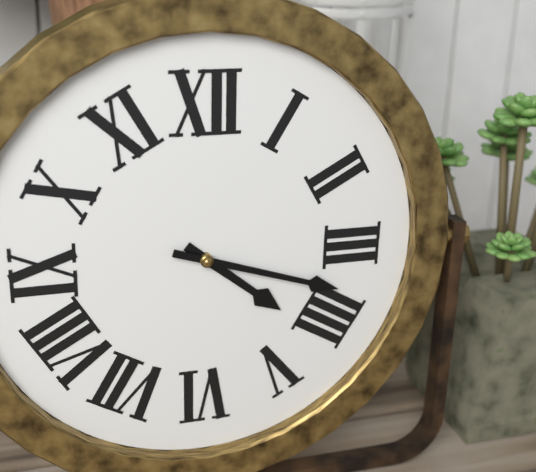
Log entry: {"hour": 4, "minute": 18}
